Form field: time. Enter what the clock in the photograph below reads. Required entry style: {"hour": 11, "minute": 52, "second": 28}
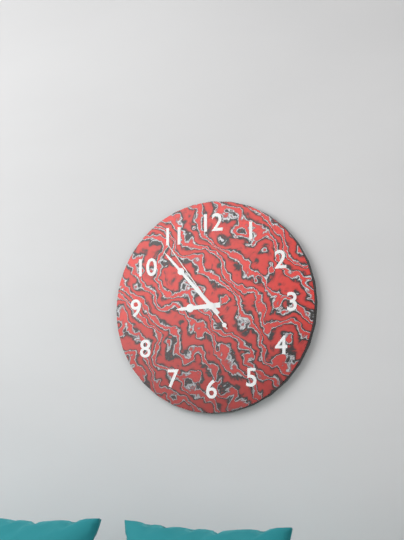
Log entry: {"hour": 8, "minute": 53, "second": 54}
